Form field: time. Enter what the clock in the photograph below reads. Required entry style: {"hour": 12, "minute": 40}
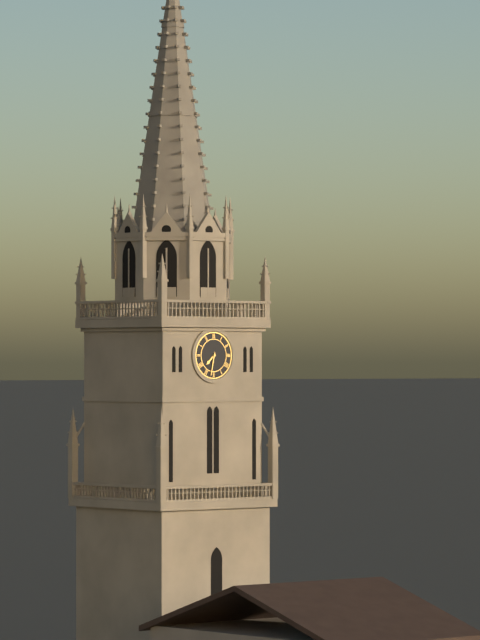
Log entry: {"hour": 7, "minute": 32}
